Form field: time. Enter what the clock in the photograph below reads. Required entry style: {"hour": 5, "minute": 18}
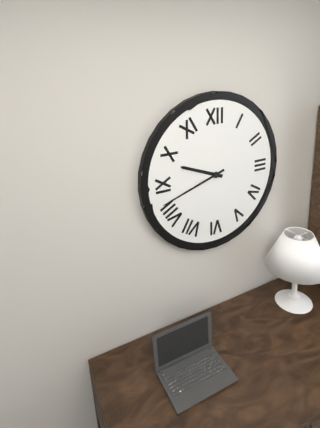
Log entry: {"hour": 9, "minute": 42}
